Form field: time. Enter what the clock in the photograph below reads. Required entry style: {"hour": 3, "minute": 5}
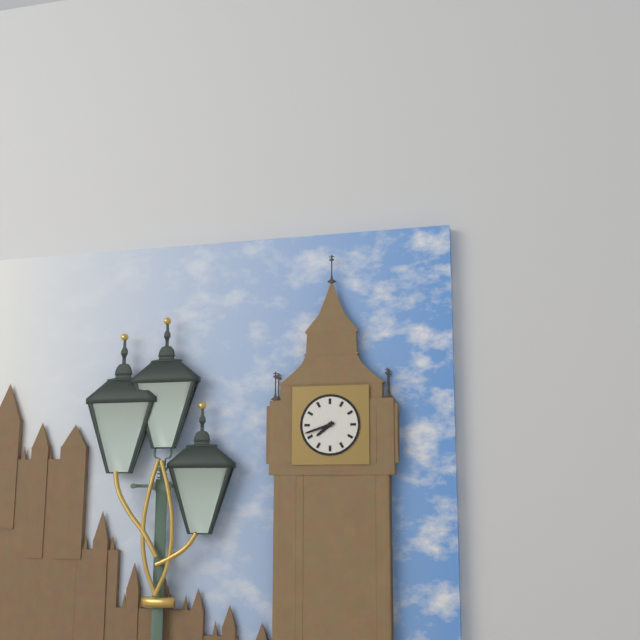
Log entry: {"hour": 7, "minute": 42}
